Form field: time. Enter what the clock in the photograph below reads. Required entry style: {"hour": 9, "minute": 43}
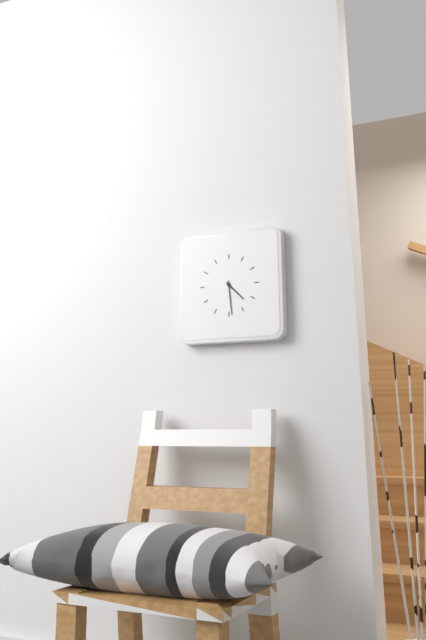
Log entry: {"hour": 4, "minute": 29}
